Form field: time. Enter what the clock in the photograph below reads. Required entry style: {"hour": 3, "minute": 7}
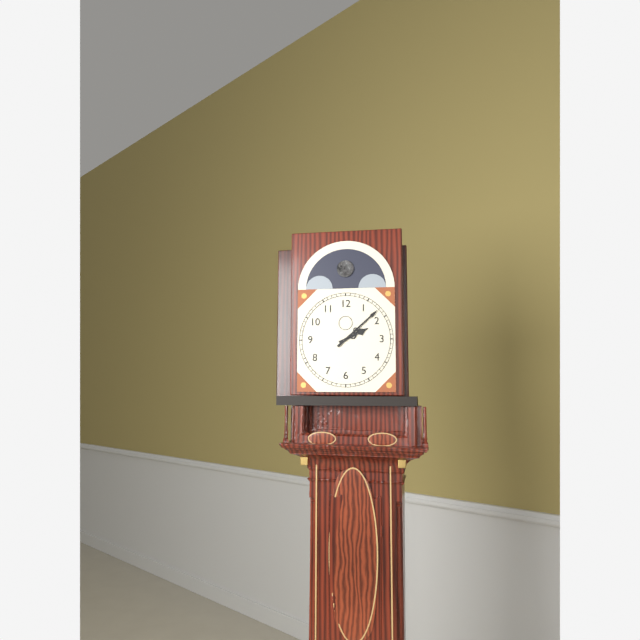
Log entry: {"hour": 2, "minute": 8}
